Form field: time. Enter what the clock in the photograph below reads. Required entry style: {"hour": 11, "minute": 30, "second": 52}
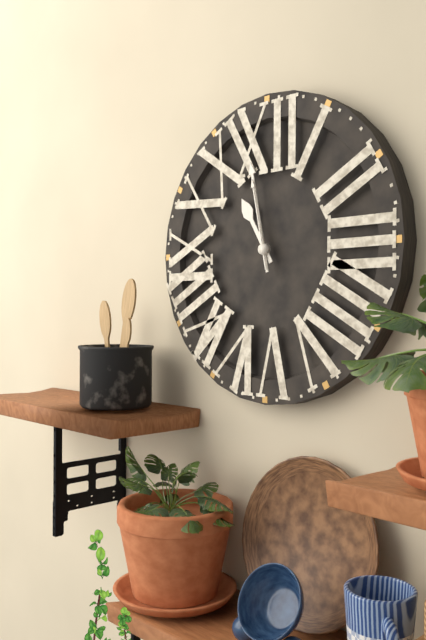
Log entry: {"hour": 10, "minute": 58, "second": 58}
